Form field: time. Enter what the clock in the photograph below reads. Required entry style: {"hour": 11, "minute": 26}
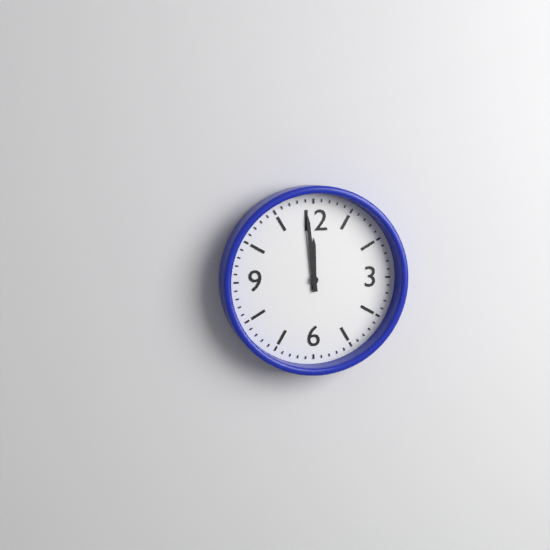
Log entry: {"hour": 11, "minute": 59}
